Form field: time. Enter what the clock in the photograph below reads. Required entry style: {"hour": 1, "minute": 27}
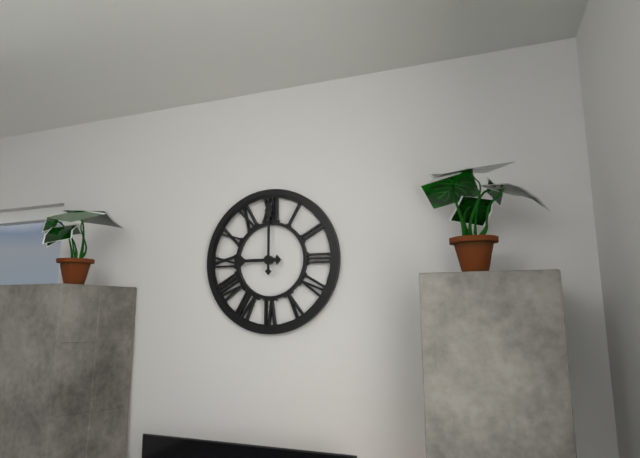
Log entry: {"hour": 9, "minute": 0}
